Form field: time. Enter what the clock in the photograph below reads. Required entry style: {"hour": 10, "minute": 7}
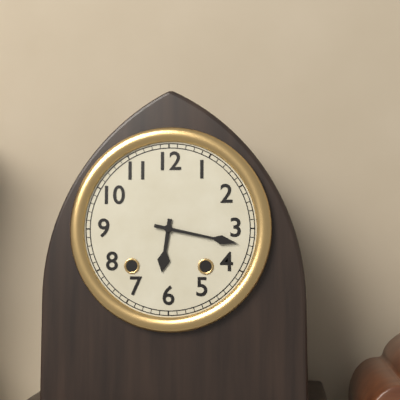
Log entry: {"hour": 6, "minute": 17}
